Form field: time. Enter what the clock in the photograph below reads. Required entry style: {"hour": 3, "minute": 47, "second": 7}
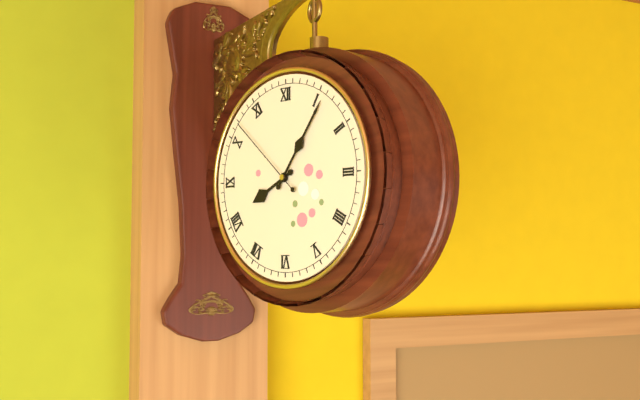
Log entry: {"hour": 8, "minute": 6, "second": 52}
